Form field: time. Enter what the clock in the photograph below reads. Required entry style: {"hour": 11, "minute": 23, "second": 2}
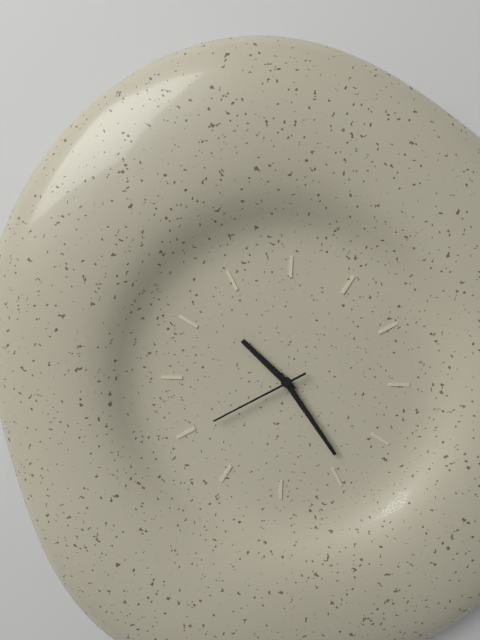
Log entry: {"hour": 10, "minute": 24, "second": 40}
